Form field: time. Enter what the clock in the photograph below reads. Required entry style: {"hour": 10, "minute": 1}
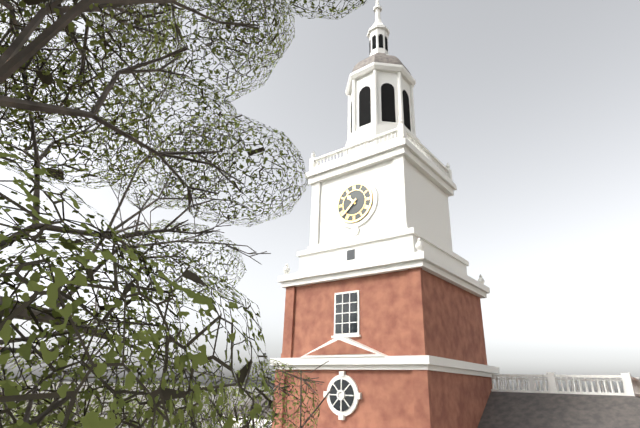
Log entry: {"hour": 10, "minute": 38}
